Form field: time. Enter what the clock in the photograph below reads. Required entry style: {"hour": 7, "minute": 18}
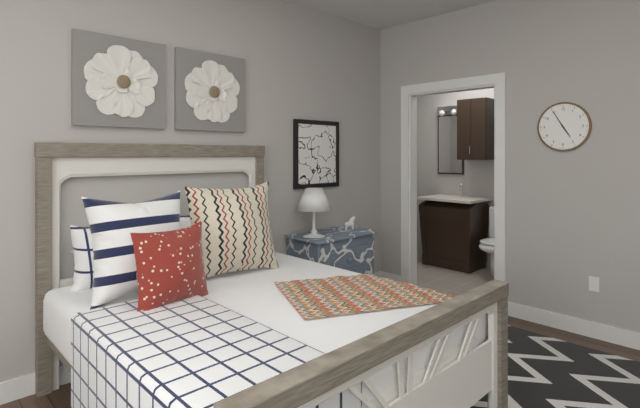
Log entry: {"hour": 4, "minute": 55}
